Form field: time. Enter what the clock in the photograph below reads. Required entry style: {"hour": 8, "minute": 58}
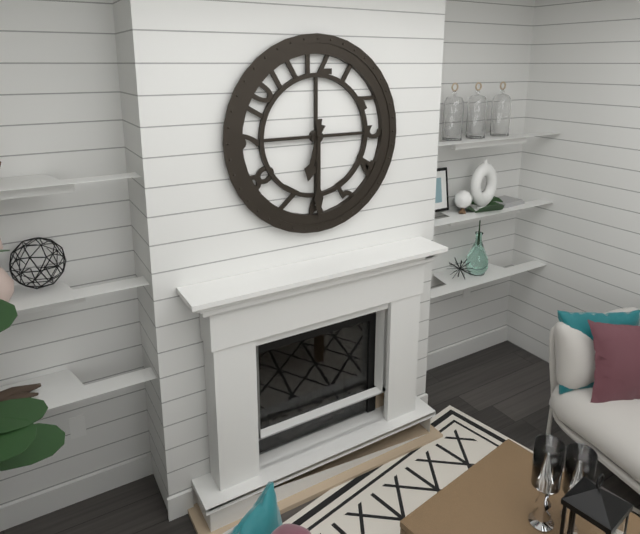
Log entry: {"hour": 6, "minute": 30}
